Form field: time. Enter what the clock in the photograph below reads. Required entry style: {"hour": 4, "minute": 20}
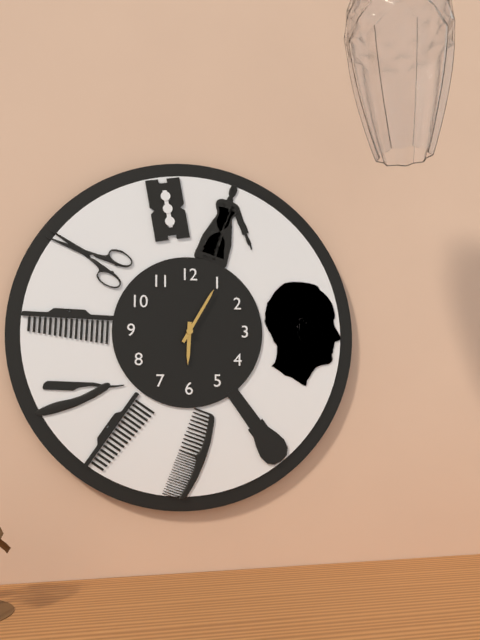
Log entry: {"hour": 6, "minute": 5}
